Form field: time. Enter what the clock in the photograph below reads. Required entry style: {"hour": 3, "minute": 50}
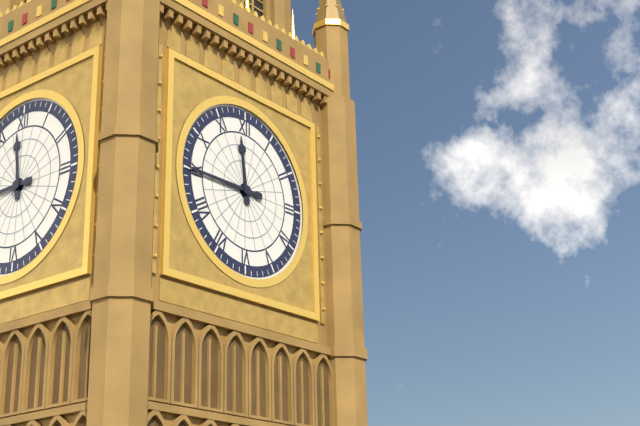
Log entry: {"hour": 11, "minute": 45}
